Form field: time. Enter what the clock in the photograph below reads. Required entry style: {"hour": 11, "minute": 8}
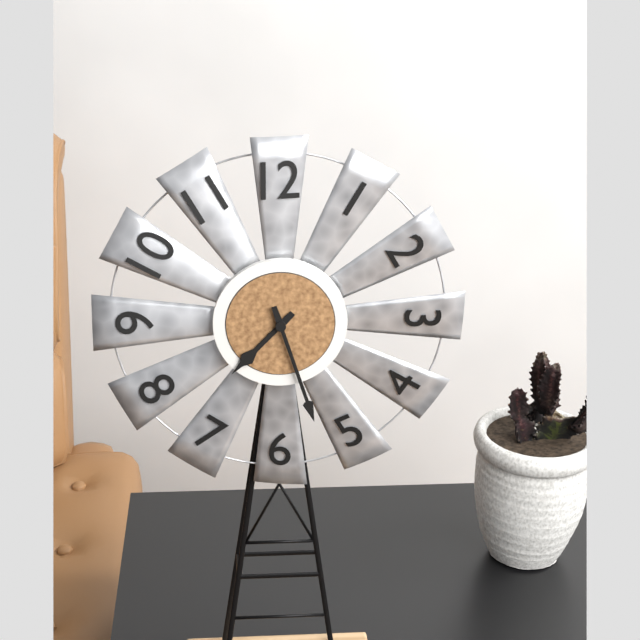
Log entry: {"hour": 7, "minute": 27}
